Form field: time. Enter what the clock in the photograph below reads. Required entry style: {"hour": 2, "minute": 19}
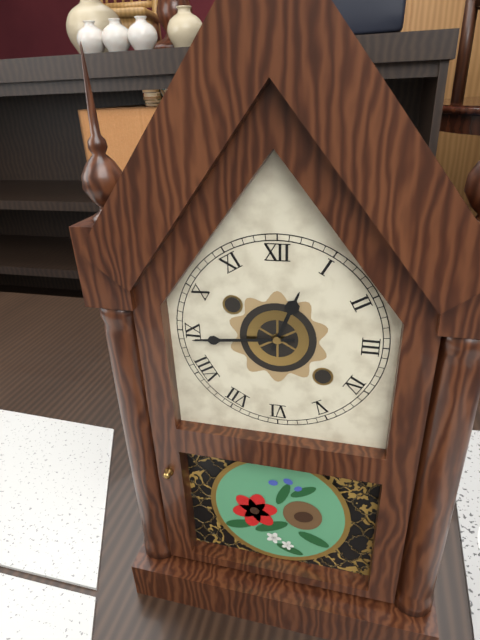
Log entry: {"hour": 12, "minute": 44}
